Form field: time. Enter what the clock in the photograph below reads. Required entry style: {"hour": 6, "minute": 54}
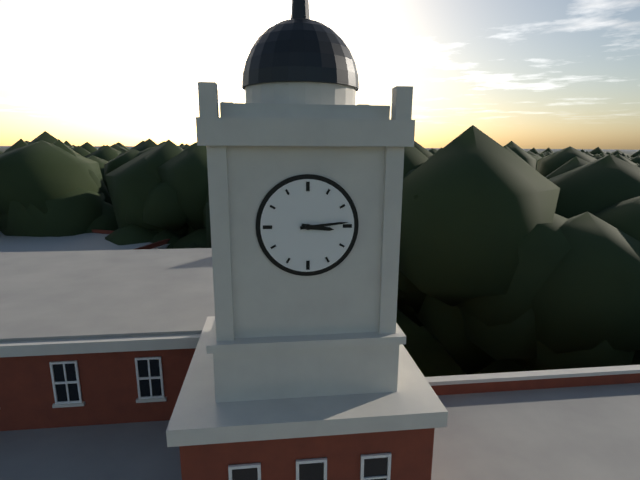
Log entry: {"hour": 3, "minute": 14}
